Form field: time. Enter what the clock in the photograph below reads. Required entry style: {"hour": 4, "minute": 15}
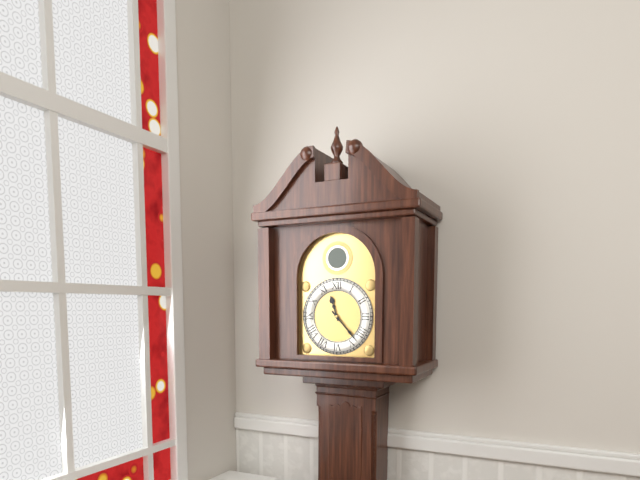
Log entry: {"hour": 11, "minute": 23}
